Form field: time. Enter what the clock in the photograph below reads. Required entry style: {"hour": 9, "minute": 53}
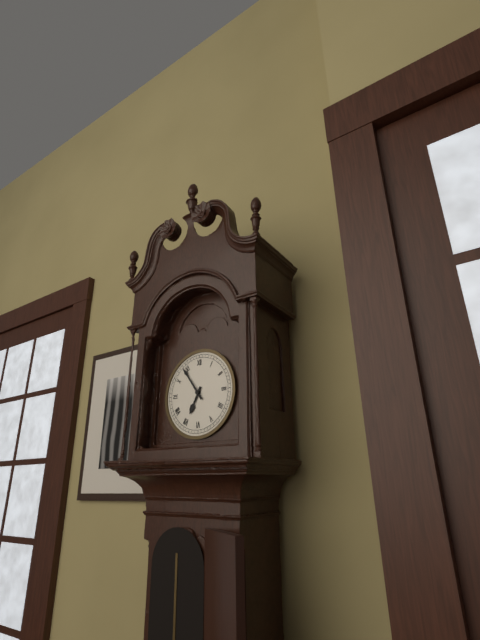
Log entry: {"hour": 6, "minute": 54}
